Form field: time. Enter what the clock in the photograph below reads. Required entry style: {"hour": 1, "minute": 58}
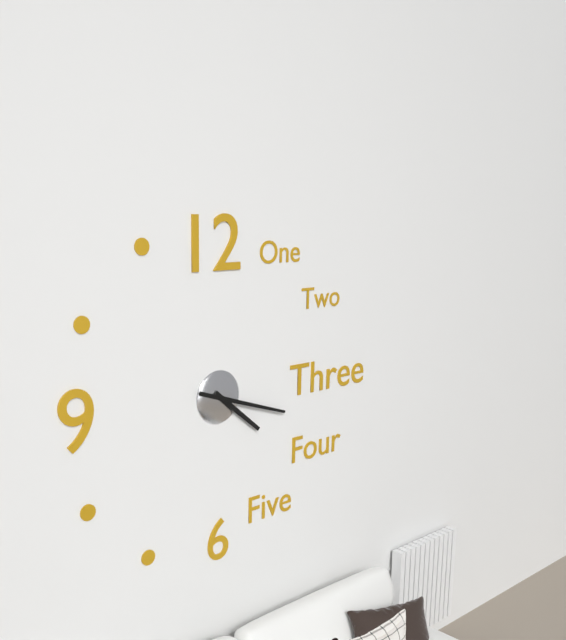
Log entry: {"hour": 4, "minute": 18}
